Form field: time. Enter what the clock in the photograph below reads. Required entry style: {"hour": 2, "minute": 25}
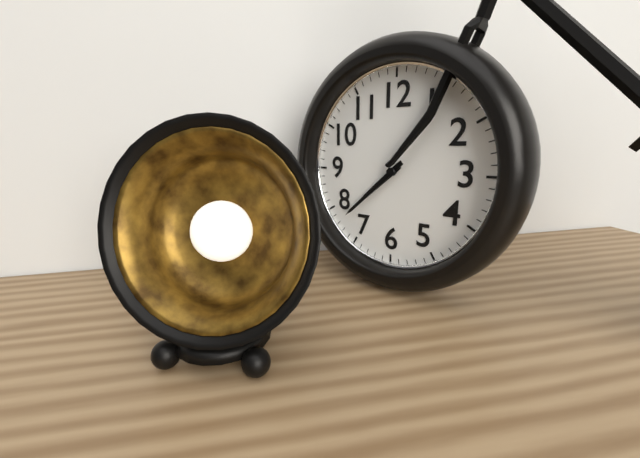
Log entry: {"hour": 7, "minute": 38}
